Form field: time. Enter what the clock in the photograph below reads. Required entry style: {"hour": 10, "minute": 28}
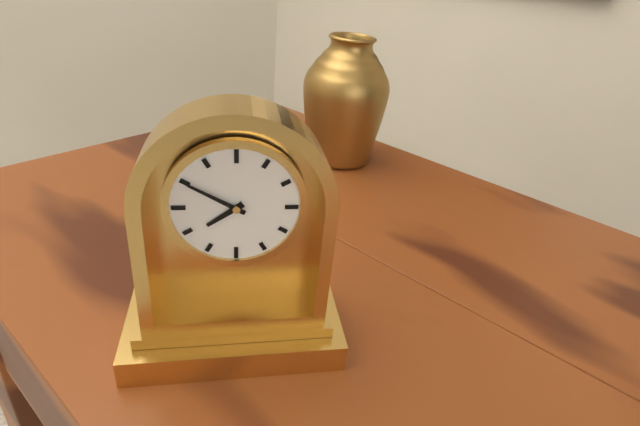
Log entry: {"hour": 7, "minute": 50}
